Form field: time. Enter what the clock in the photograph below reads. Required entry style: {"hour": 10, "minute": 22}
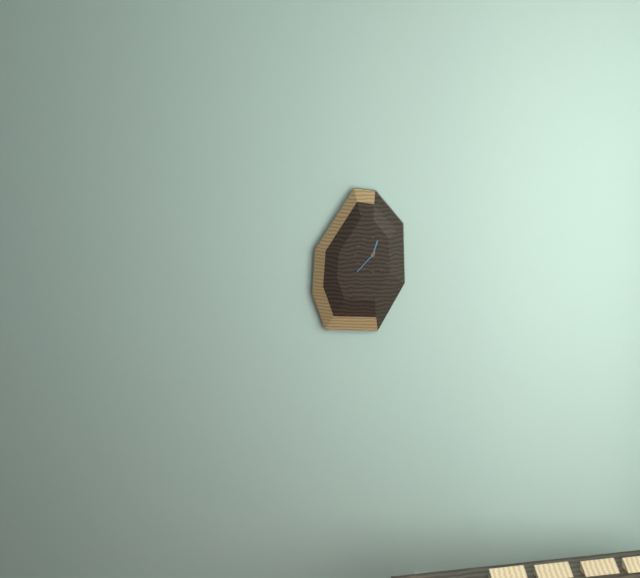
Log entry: {"hour": 12, "minute": 37}
